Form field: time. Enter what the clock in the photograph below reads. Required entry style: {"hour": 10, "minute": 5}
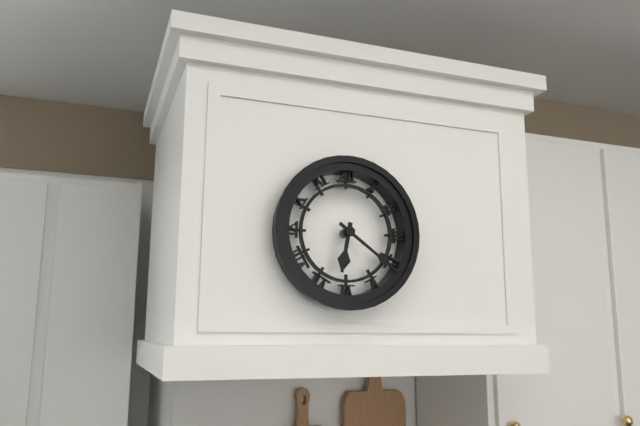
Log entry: {"hour": 6, "minute": 21}
